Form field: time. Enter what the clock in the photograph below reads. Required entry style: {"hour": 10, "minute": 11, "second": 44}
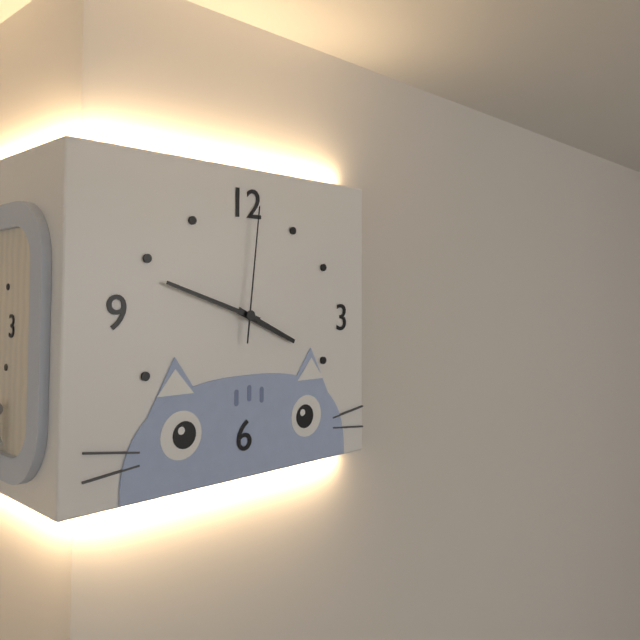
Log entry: {"hour": 3, "minute": 48, "second": 1}
